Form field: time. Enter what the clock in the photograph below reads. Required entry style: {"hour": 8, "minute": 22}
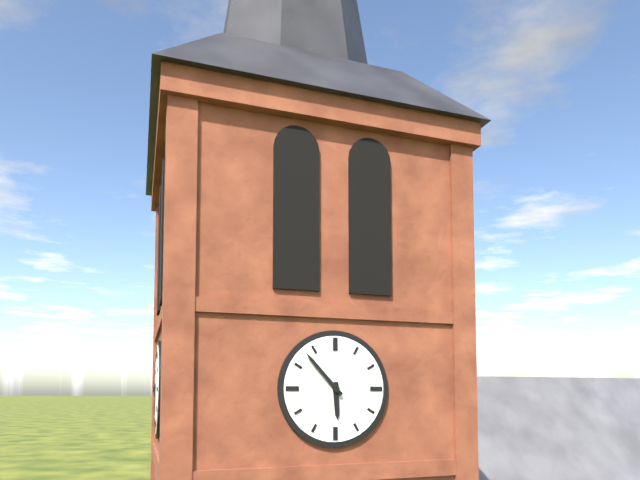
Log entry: {"hour": 5, "minute": 53}
